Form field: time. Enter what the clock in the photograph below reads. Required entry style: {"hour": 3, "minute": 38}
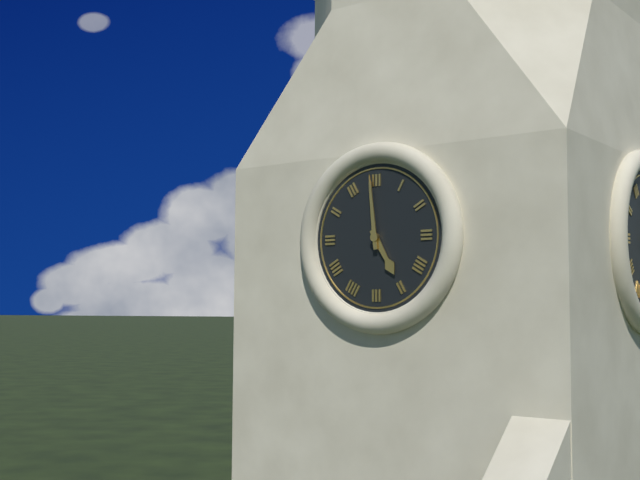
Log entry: {"hour": 4, "minute": 59}
